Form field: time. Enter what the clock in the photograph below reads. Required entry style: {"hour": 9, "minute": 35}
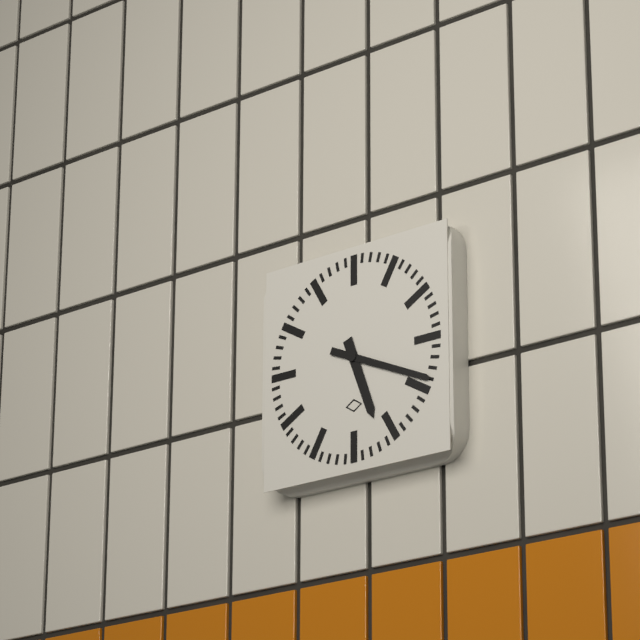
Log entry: {"hour": 5, "minute": 19}
